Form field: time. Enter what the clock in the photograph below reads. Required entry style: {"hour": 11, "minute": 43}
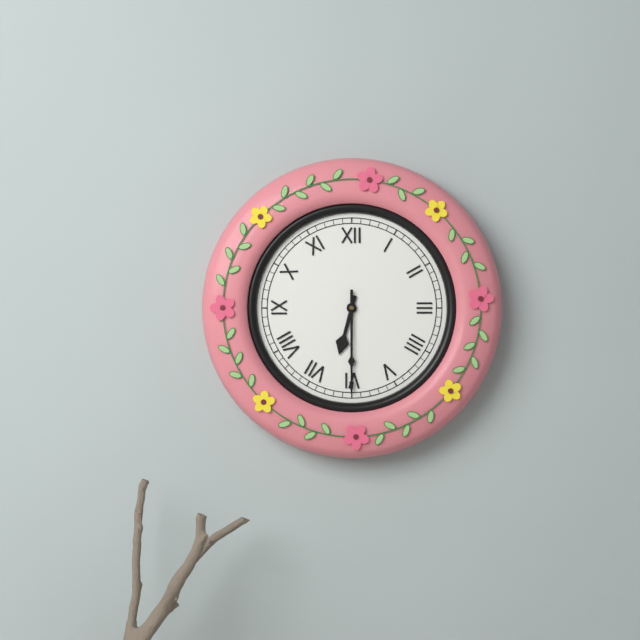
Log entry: {"hour": 6, "minute": 30}
